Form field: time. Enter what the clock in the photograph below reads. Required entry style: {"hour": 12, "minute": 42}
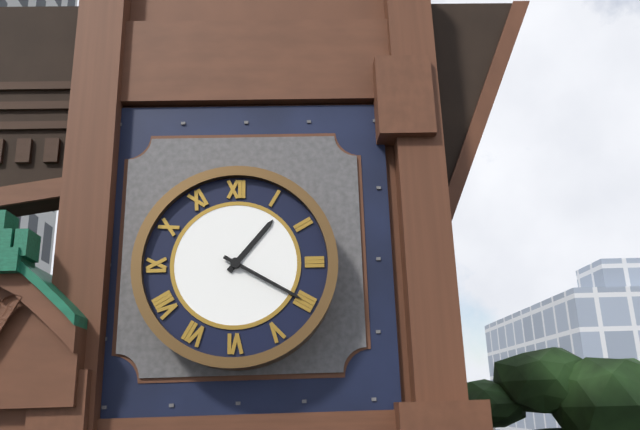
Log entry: {"hour": 1, "minute": 20}
